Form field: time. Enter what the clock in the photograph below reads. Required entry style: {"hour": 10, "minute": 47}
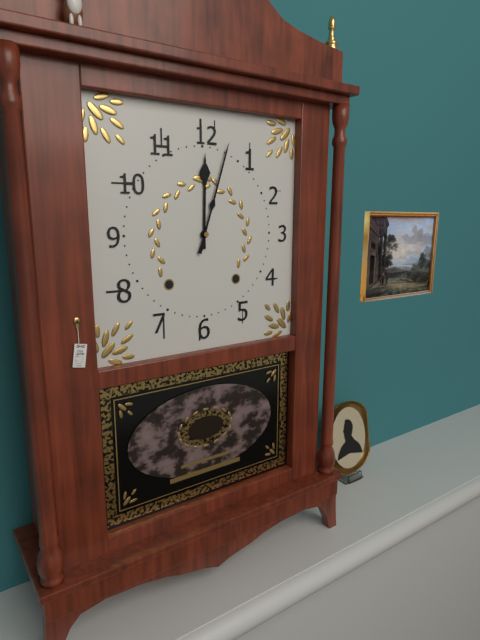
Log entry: {"hour": 12, "minute": 3}
